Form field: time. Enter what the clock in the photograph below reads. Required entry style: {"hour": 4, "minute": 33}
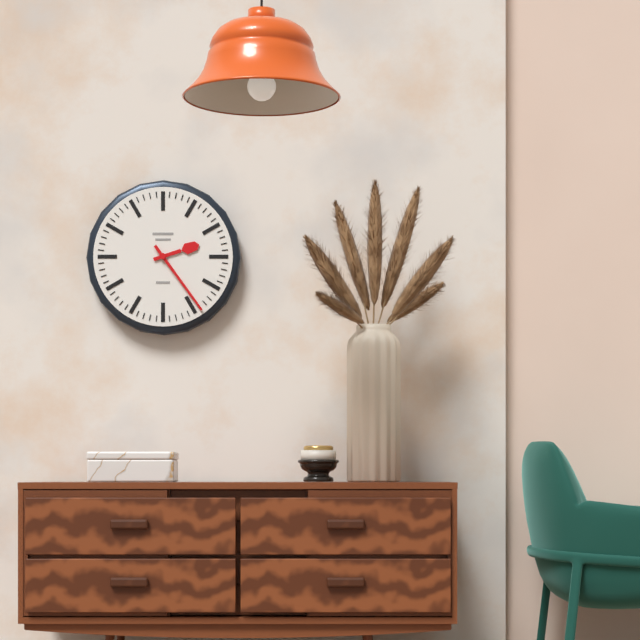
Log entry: {"hour": 2, "minute": 24}
